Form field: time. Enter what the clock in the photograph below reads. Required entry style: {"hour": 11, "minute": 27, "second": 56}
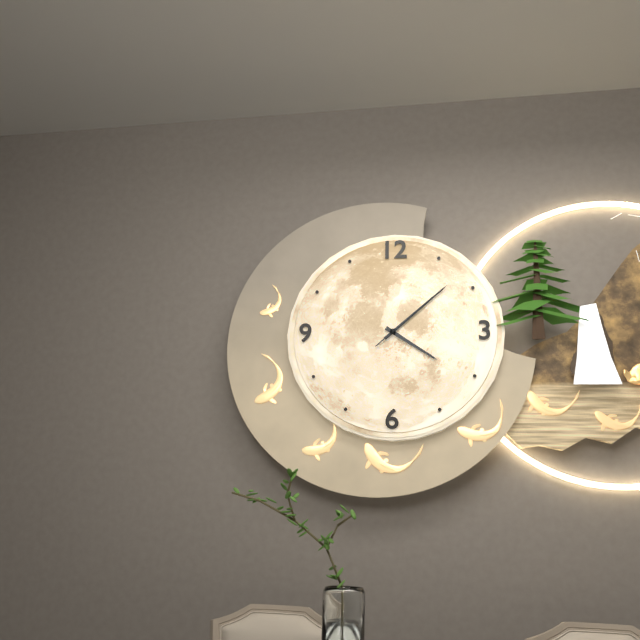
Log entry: {"hour": 4, "minute": 8, "second": 8}
